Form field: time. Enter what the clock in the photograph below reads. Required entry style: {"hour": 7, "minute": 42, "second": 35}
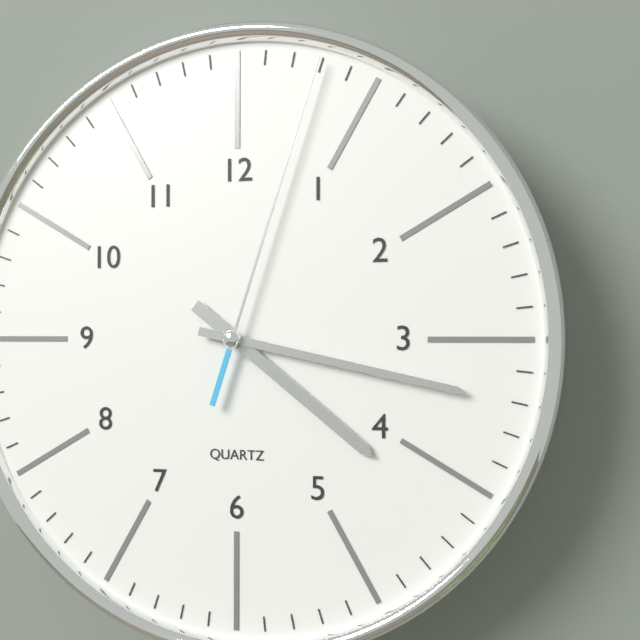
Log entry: {"hour": 4, "minute": 17, "second": 3}
